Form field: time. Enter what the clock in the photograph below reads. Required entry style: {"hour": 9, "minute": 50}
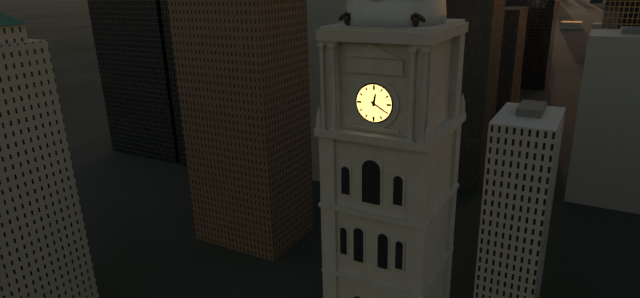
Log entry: {"hour": 12, "minute": 20}
